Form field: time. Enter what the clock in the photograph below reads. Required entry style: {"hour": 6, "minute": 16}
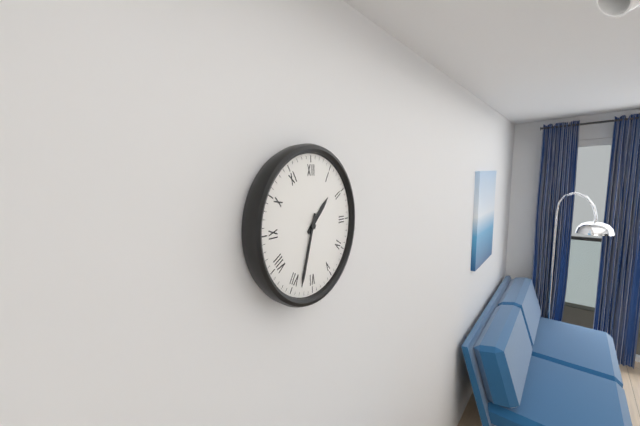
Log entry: {"hour": 1, "minute": 33}
